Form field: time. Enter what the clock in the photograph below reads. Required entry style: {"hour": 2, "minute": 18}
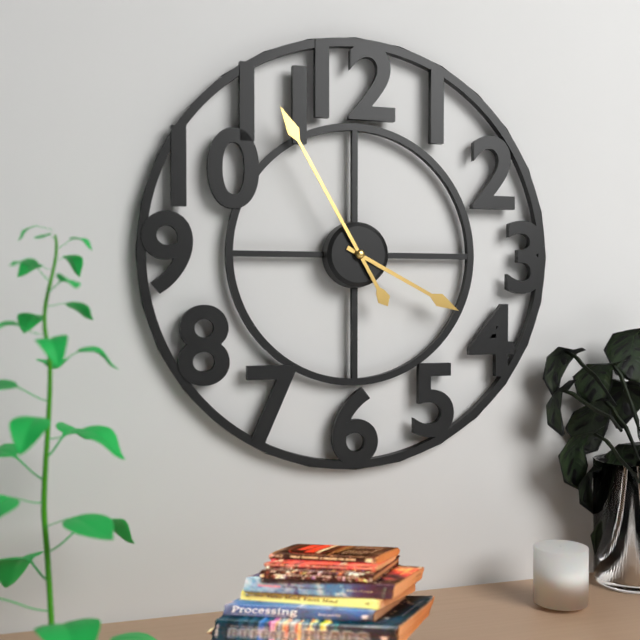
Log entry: {"hour": 3, "minute": 55}
